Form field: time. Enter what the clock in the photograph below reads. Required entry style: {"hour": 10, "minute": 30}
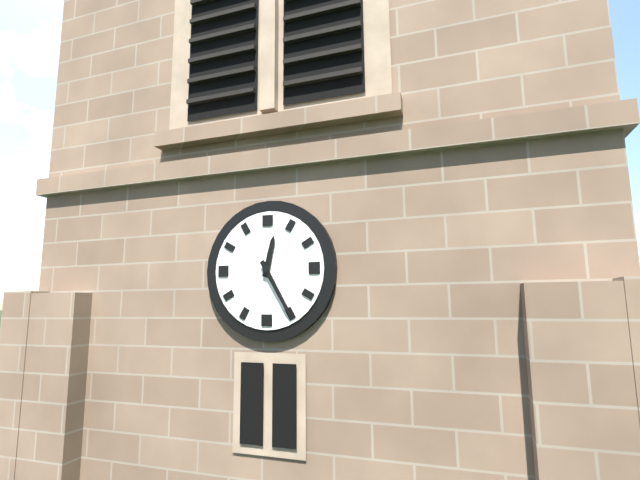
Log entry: {"hour": 12, "minute": 25}
